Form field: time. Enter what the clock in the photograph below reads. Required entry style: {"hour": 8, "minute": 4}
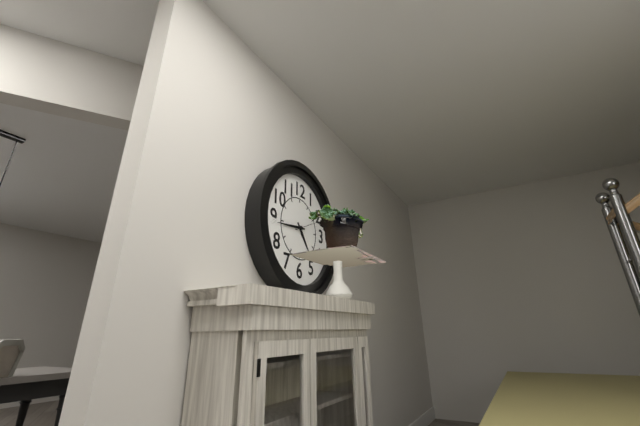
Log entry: {"hour": 4, "minute": 44}
